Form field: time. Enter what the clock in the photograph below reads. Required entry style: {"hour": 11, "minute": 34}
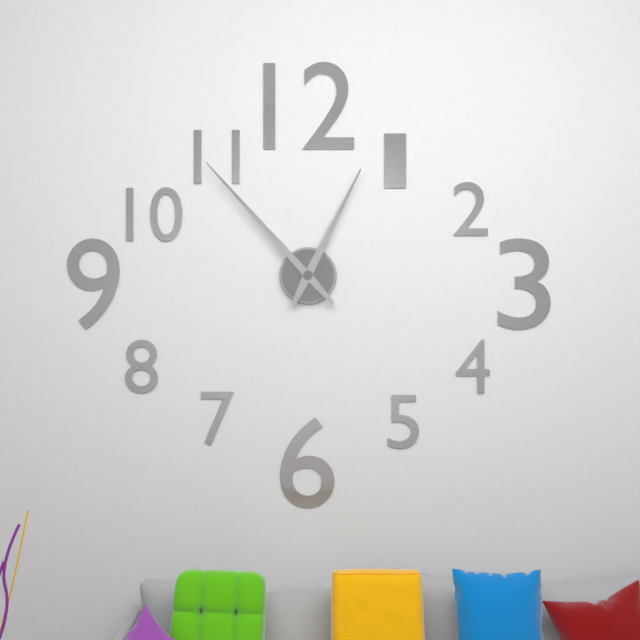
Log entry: {"hour": 12, "minute": 53}
